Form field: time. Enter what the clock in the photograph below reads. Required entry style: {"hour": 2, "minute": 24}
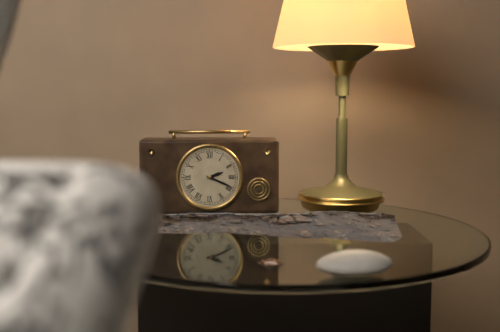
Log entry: {"hour": 2, "minute": 19}
